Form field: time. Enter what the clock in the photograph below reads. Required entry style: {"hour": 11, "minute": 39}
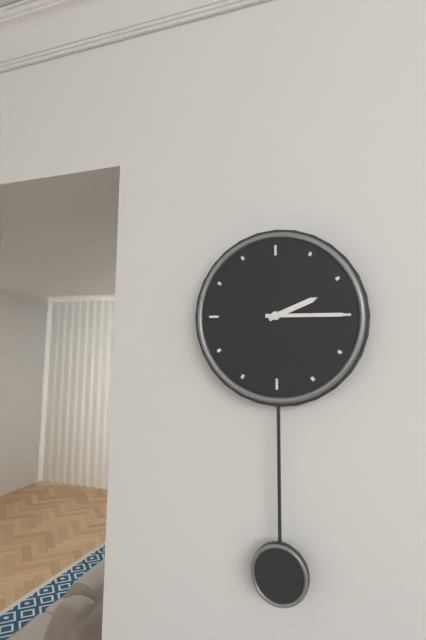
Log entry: {"hour": 2, "minute": 15}
